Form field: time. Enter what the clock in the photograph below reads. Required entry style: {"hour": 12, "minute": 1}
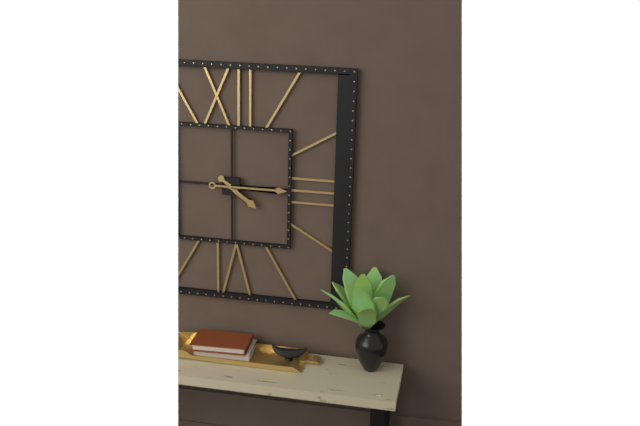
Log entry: {"hour": 4, "minute": 15}
